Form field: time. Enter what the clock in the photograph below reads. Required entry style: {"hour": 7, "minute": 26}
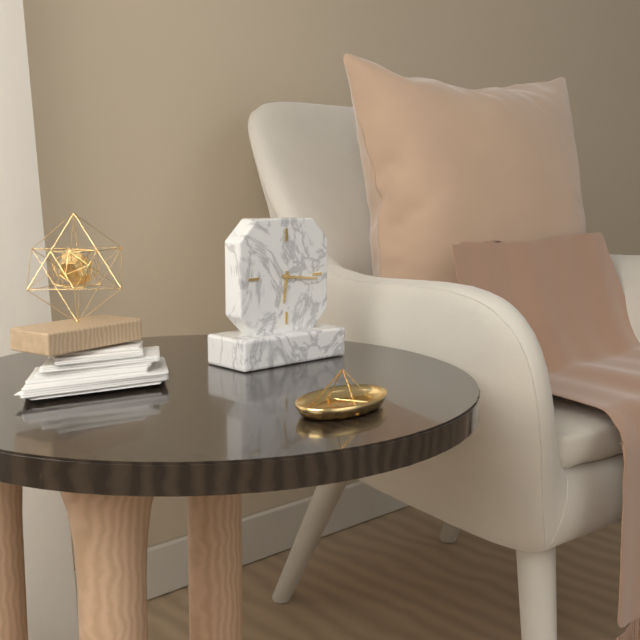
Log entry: {"hour": 6, "minute": 16}
